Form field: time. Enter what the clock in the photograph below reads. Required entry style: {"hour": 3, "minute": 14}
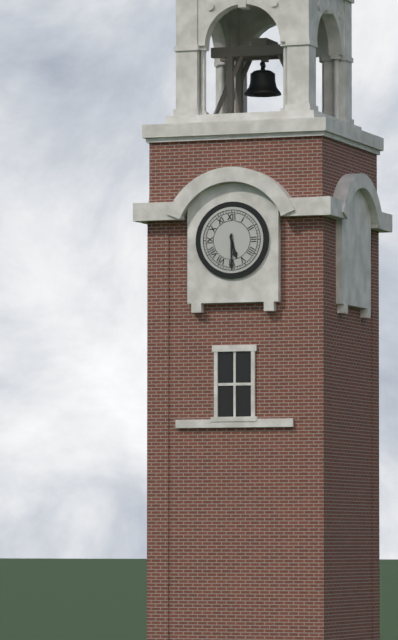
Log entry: {"hour": 5, "minute": 30}
